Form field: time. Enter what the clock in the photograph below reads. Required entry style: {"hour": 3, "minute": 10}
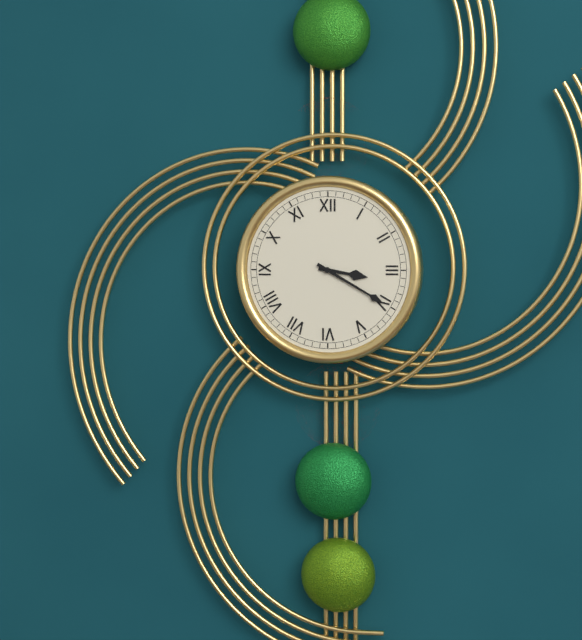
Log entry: {"hour": 3, "minute": 20}
